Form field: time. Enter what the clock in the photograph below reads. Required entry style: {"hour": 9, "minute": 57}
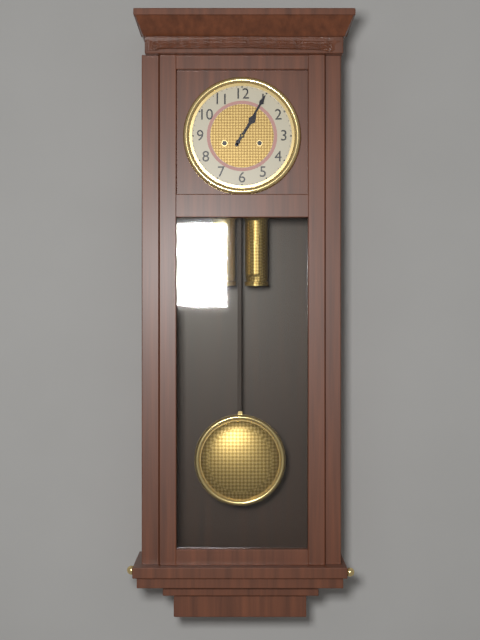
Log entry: {"hour": 1, "minute": 5}
